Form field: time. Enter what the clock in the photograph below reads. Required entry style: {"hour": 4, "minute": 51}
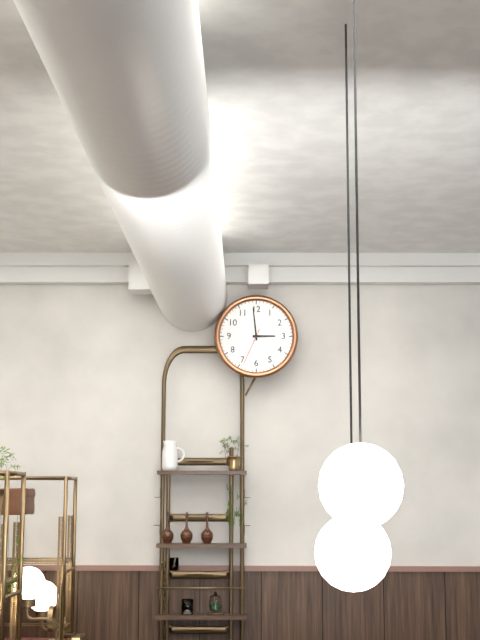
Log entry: {"hour": 2, "minute": 59}
